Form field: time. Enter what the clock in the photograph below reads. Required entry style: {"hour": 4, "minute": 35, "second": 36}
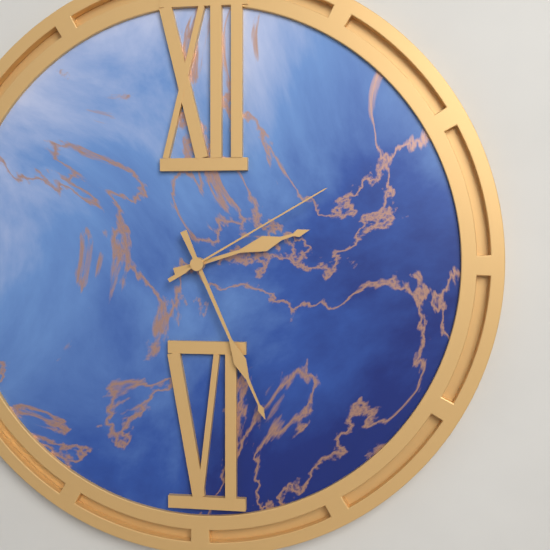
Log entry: {"hour": 2, "minute": 26, "second": 10}
